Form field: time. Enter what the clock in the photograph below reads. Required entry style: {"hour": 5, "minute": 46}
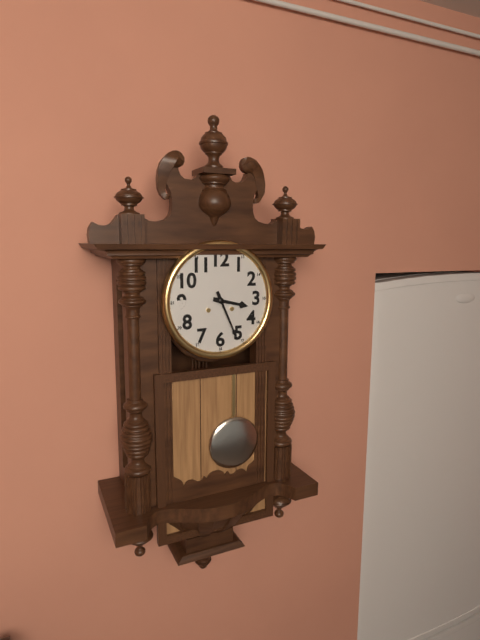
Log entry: {"hour": 3, "minute": 26}
